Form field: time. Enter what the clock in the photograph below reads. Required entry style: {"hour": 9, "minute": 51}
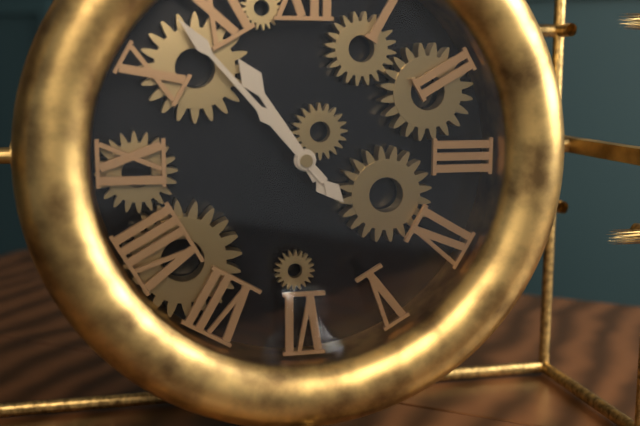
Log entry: {"hour": 10, "minute": 53}
